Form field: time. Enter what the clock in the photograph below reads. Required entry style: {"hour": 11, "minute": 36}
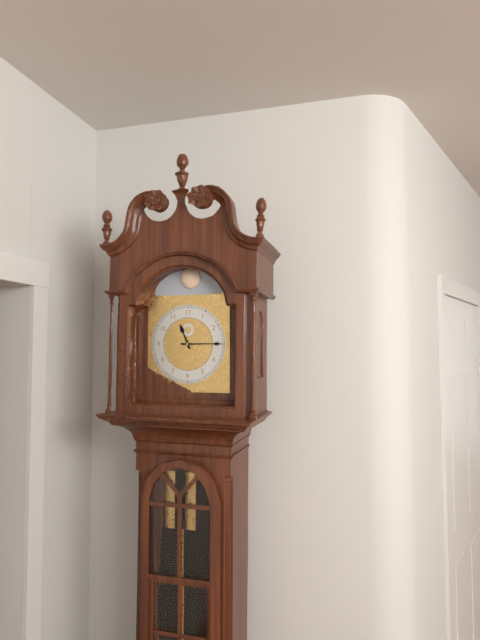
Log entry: {"hour": 11, "minute": 15}
